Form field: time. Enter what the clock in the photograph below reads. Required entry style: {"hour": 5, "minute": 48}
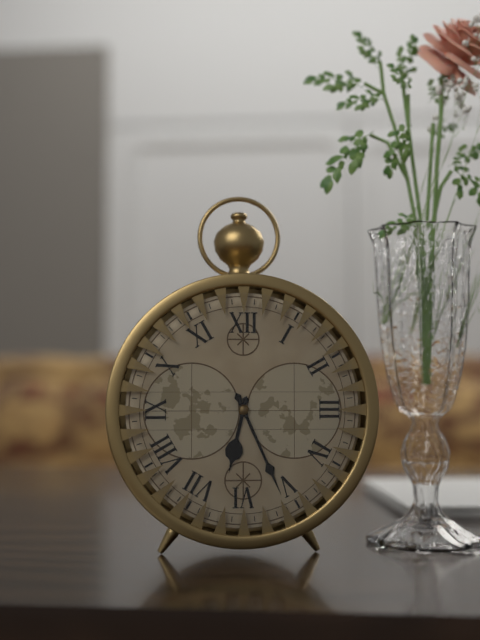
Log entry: {"hour": 6, "minute": 26}
